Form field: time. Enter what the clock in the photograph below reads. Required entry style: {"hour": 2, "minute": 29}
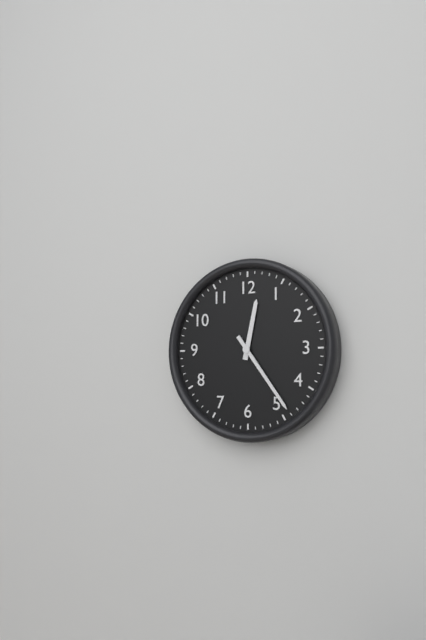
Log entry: {"hour": 12, "minute": 24}
